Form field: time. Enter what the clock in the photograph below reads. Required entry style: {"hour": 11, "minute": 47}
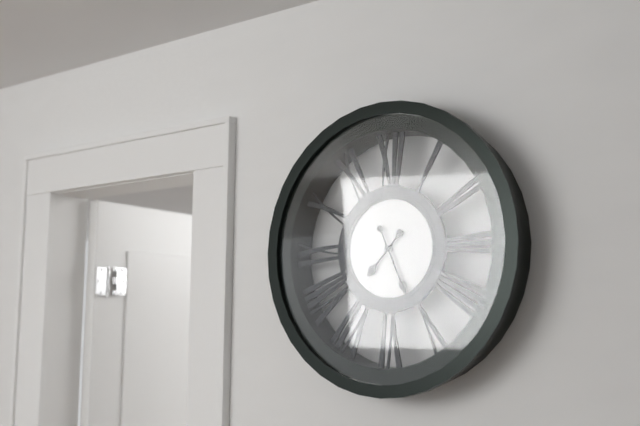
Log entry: {"hour": 7, "minute": 26}
